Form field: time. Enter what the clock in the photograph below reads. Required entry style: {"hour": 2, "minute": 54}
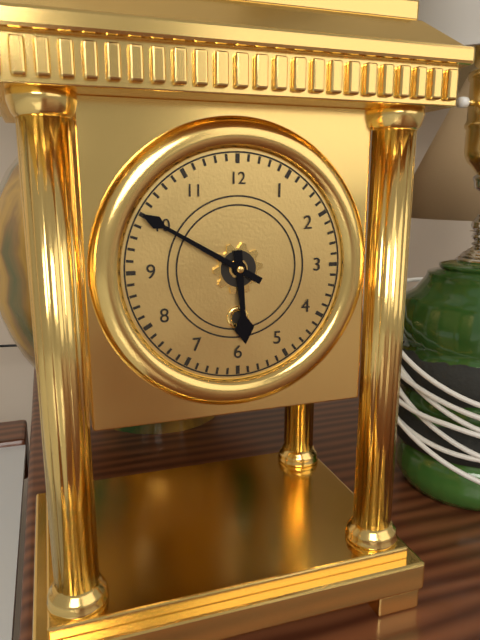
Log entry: {"hour": 5, "minute": 50}
